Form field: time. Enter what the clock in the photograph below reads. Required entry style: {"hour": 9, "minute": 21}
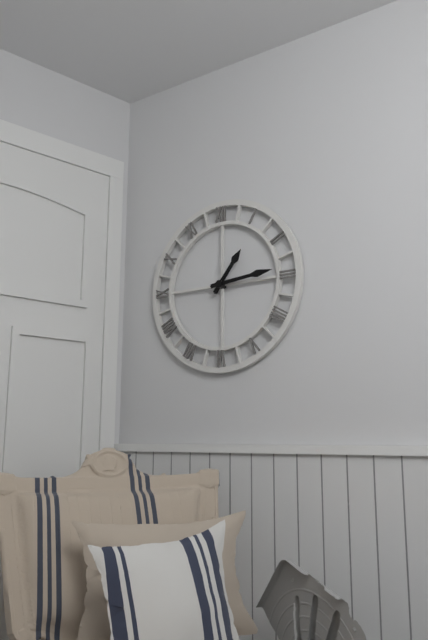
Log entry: {"hour": 1, "minute": 14}
